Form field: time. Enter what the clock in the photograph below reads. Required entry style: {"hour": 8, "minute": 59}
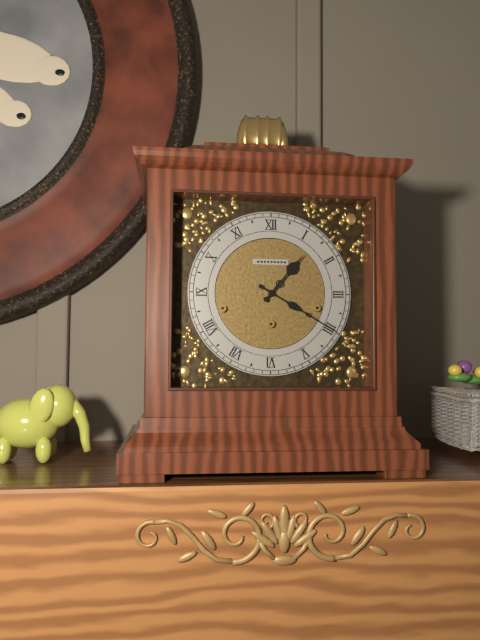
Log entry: {"hour": 1, "minute": 20}
